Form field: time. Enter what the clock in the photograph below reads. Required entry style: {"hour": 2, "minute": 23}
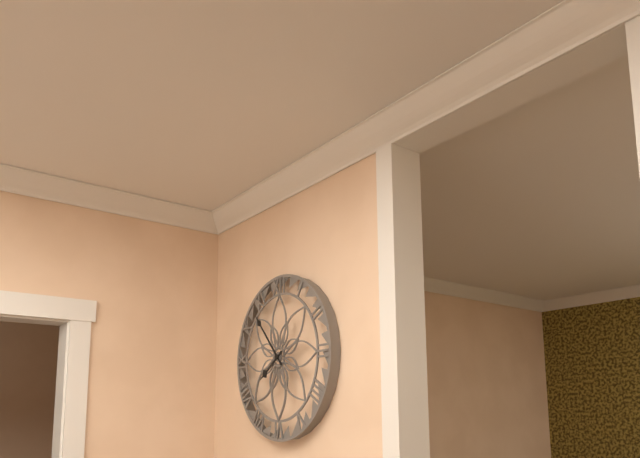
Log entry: {"hour": 7, "minute": 53}
